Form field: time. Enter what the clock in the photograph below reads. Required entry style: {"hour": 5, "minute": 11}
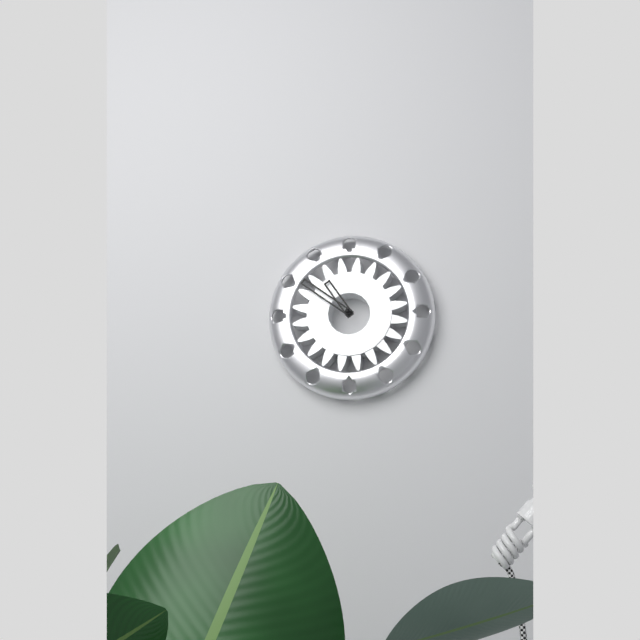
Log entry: {"hour": 10, "minute": 51}
